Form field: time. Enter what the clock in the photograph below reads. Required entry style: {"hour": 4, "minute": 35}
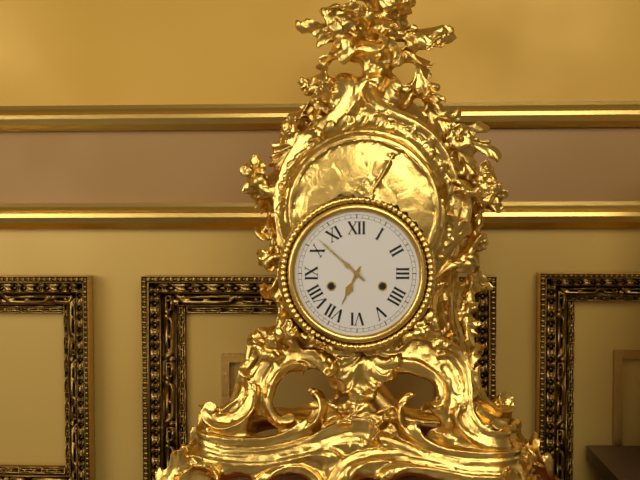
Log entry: {"hour": 6, "minute": 52}
